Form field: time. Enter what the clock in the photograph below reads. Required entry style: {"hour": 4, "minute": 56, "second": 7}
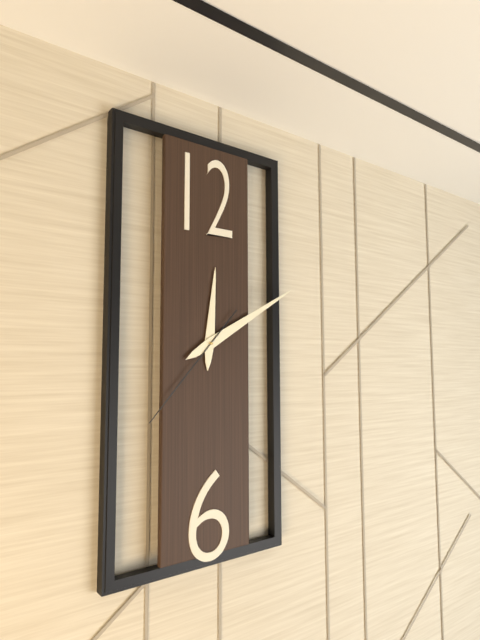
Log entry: {"hour": 12, "minute": 10, "second": 37}
